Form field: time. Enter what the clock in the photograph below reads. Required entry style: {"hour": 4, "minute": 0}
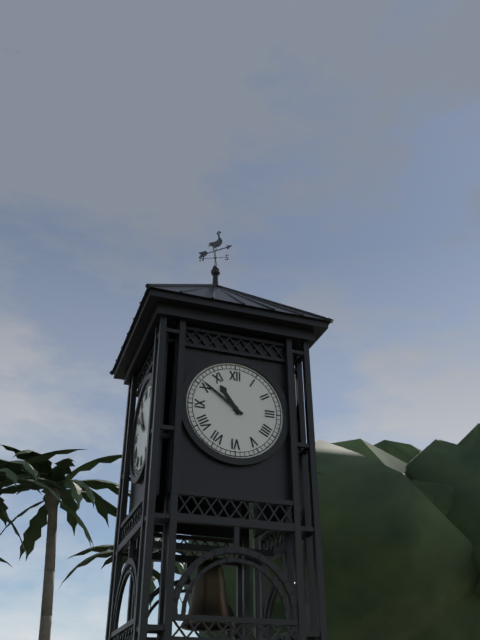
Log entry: {"hour": 10, "minute": 51}
